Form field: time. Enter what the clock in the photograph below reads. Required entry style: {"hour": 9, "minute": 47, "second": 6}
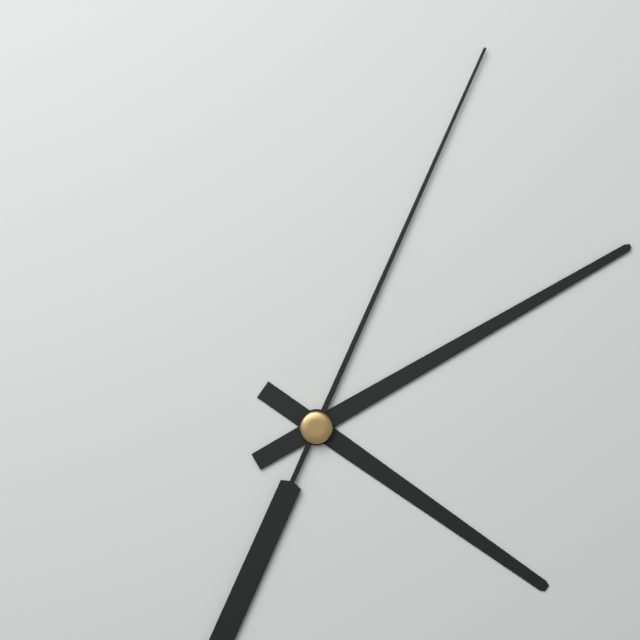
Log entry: {"hour": 4, "minute": 10, "second": 4}
